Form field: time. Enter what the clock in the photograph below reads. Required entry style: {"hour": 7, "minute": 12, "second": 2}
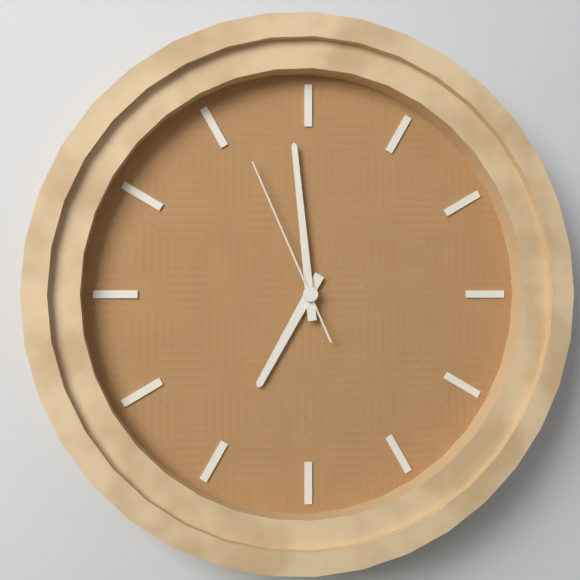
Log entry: {"hour": 6, "minute": 59, "second": 56}
